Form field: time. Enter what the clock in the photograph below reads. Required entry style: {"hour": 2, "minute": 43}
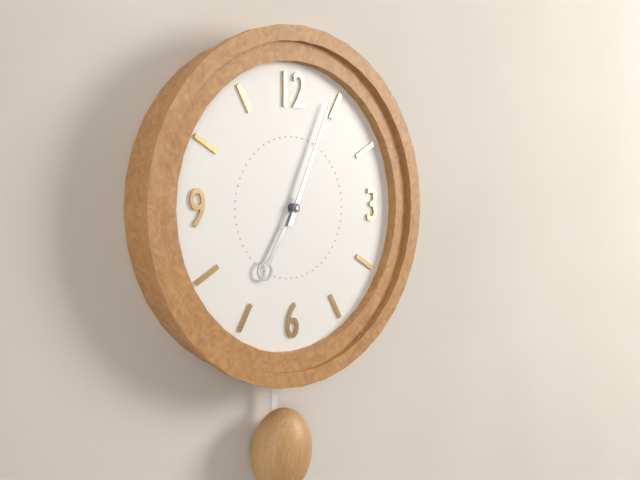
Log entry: {"hour": 7, "minute": 4}
